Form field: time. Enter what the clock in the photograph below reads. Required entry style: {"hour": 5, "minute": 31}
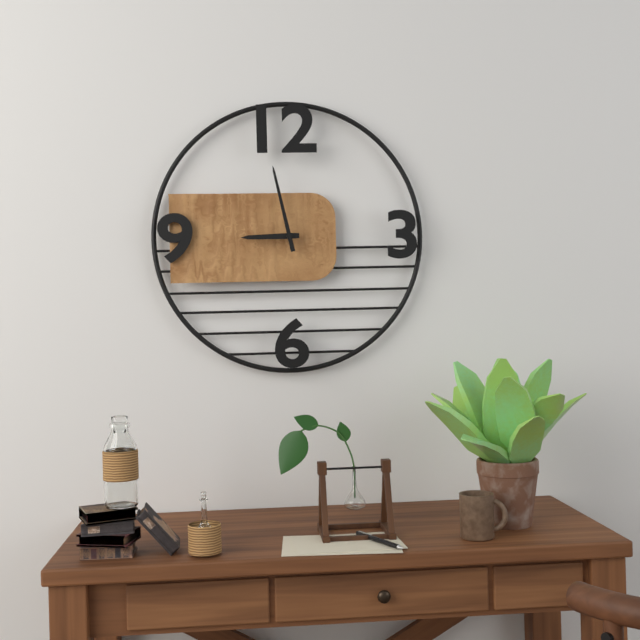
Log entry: {"hour": 8, "minute": 58}
